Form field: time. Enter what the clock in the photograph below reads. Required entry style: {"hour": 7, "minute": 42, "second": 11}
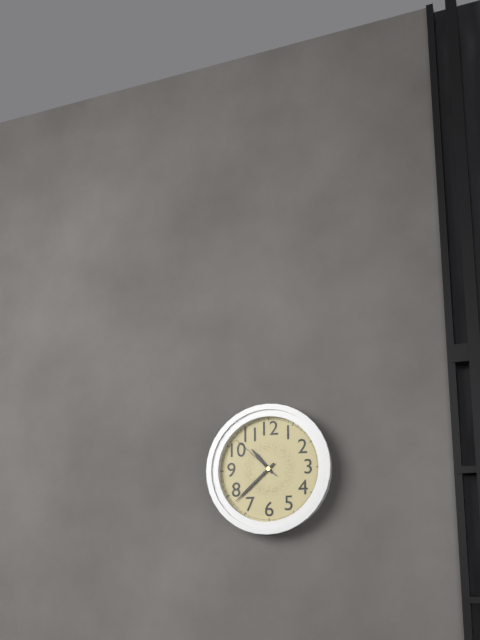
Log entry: {"hour": 10, "minute": 38, "second": 52}
